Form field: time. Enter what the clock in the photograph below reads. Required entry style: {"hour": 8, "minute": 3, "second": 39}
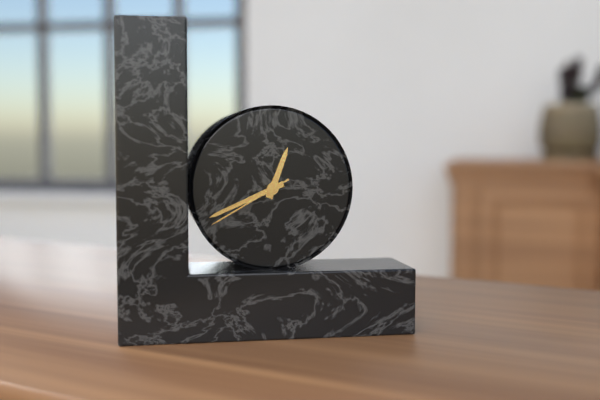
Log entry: {"hour": 12, "minute": 41, "second": 40}
